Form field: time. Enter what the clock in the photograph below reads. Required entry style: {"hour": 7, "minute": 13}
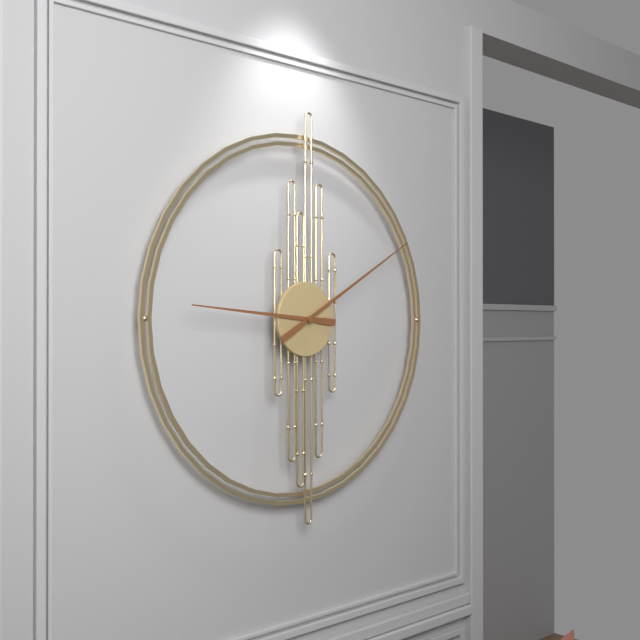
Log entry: {"hour": 9, "minute": 10}
